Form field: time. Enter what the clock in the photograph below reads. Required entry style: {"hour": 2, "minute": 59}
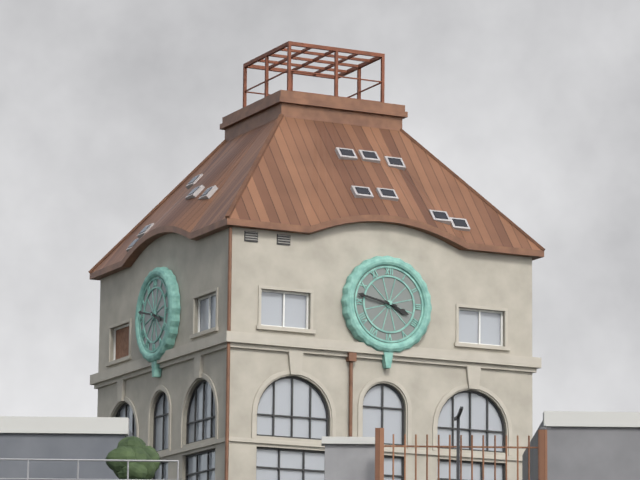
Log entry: {"hour": 3, "minute": 47}
